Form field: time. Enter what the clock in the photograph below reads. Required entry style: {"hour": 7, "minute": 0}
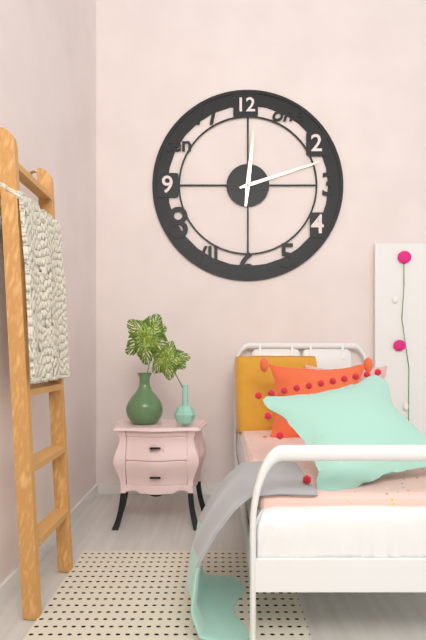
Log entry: {"hour": 12, "minute": 12}
